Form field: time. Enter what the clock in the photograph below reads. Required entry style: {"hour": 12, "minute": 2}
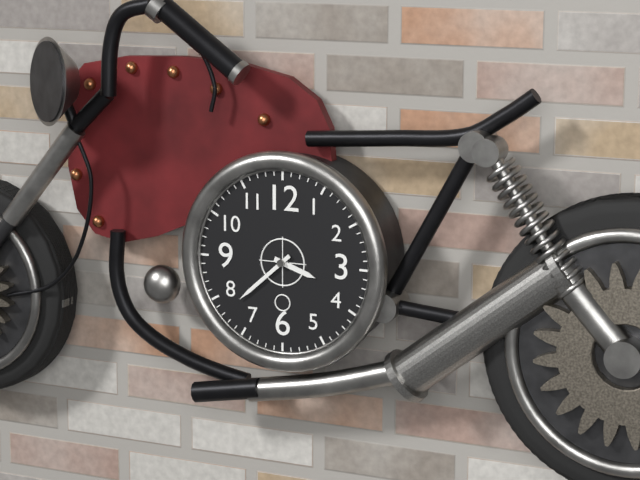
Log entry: {"hour": 3, "minute": 38}
